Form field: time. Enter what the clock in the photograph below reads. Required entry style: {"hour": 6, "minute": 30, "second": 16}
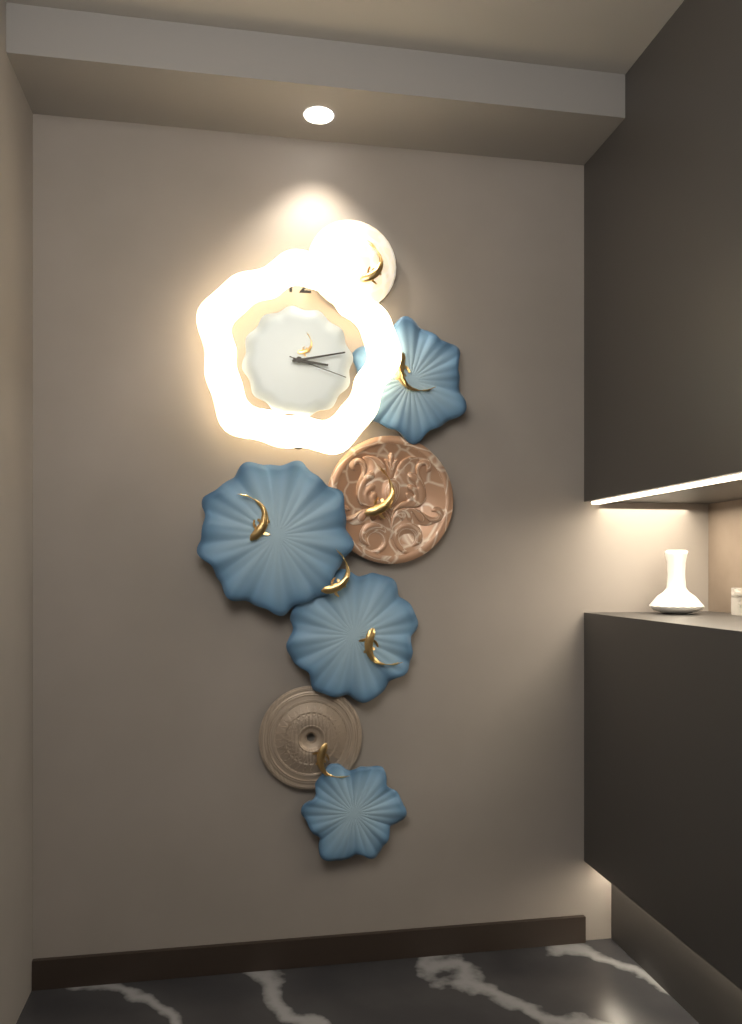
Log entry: {"hour": 3, "minute": 13, "second": 18}
